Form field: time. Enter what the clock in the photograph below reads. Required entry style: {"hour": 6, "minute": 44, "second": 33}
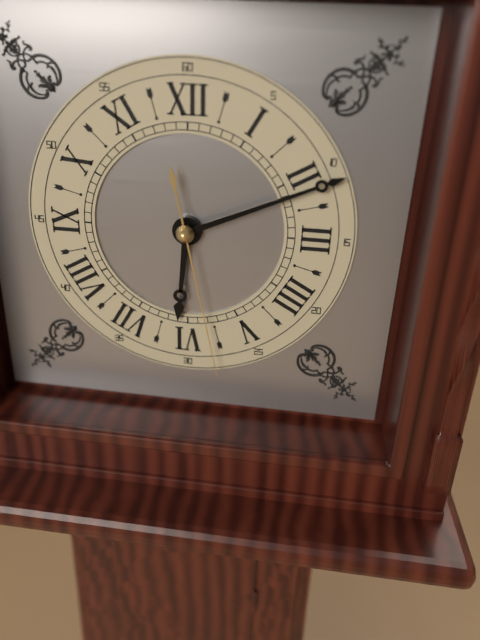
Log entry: {"hour": 6, "minute": 11, "second": 28}
